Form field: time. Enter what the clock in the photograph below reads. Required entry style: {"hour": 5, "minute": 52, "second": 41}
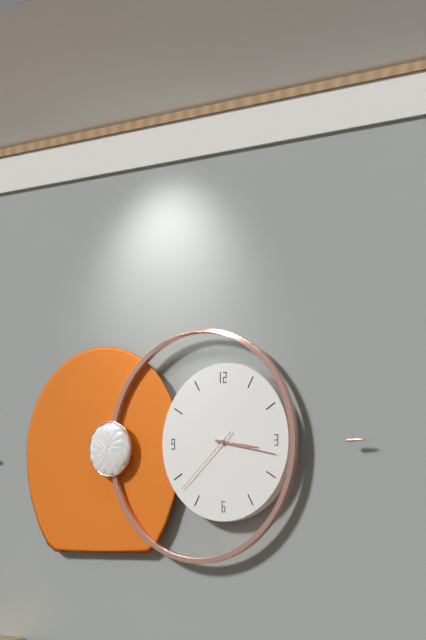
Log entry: {"hour": 3, "minute": 17, "second": 38}
